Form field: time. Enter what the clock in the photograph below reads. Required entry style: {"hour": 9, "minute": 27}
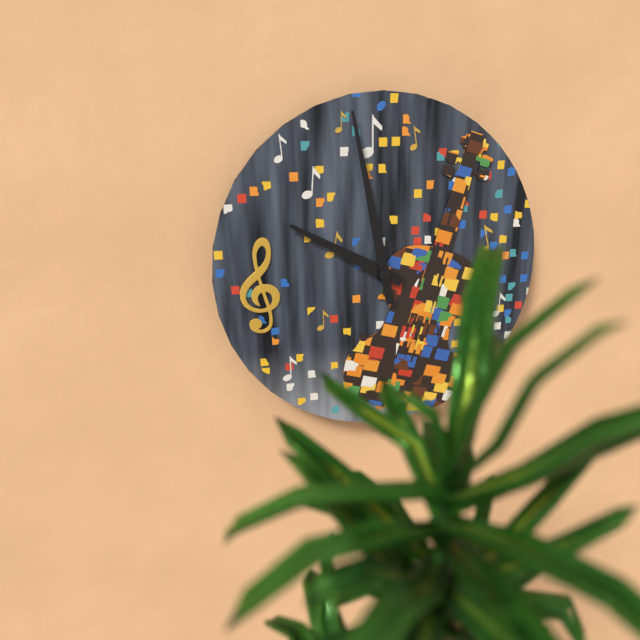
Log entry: {"hour": 9, "minute": 58}
